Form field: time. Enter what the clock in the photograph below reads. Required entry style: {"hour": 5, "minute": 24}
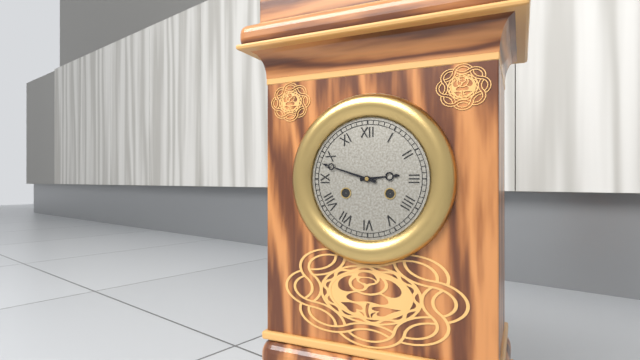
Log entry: {"hour": 2, "minute": 48}
